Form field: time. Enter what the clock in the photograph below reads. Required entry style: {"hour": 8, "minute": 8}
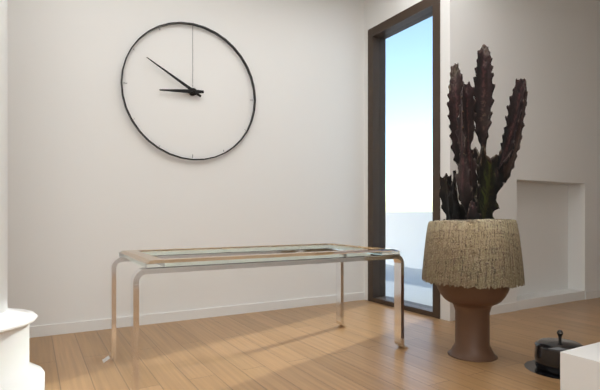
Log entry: {"hour": 8, "minute": 50}
